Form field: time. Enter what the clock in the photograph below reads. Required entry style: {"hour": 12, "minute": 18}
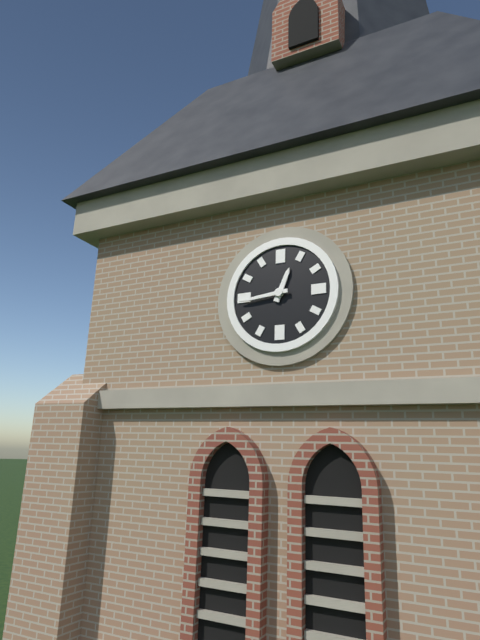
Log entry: {"hour": 12, "minute": 44}
